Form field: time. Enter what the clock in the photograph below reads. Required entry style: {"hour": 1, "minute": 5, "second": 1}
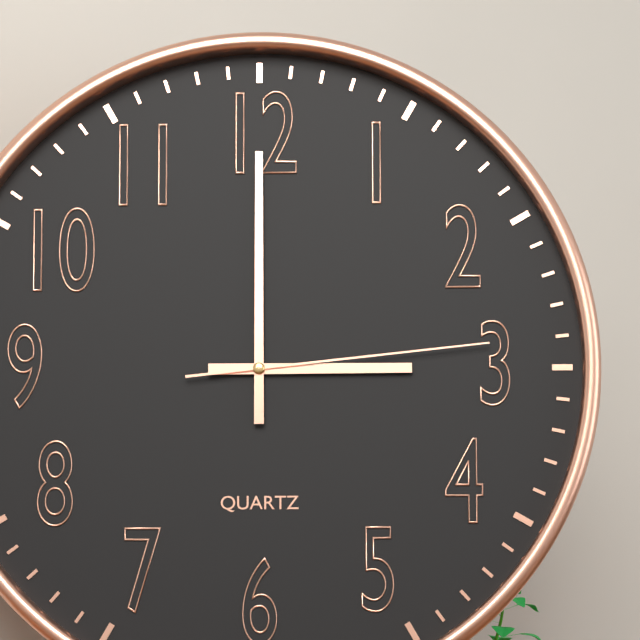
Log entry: {"hour": 3, "minute": 0, "second": 14}
